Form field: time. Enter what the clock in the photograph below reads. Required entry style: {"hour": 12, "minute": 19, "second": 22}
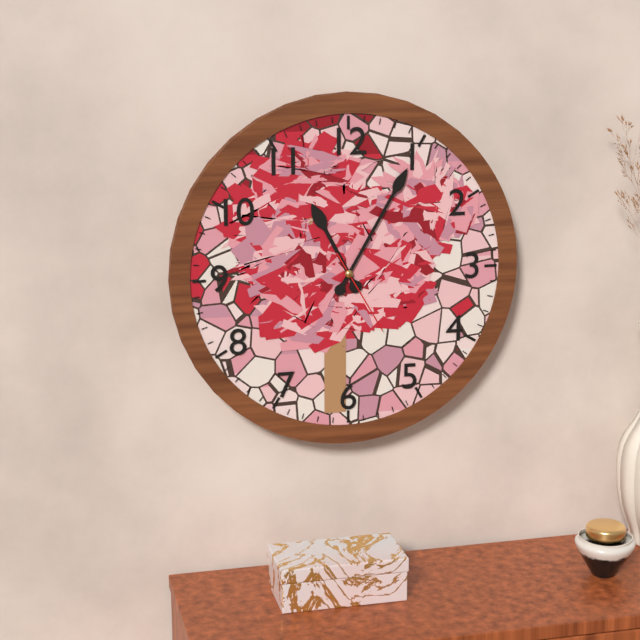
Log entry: {"hour": 11, "minute": 5, "second": 25}
